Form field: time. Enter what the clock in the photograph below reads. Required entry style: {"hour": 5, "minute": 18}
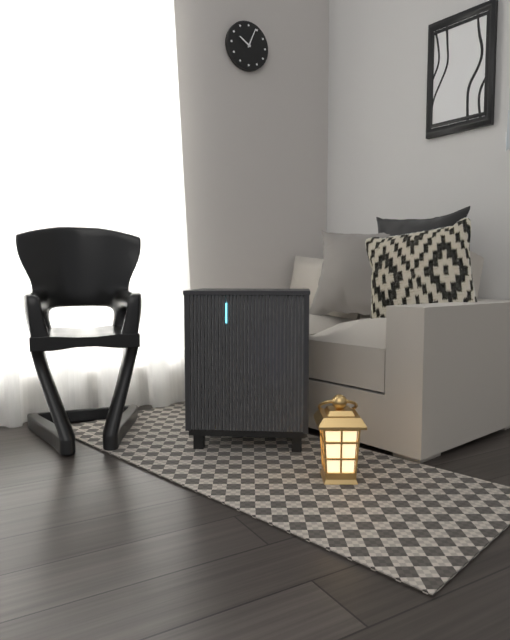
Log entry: {"hour": 10, "minute": 4}
